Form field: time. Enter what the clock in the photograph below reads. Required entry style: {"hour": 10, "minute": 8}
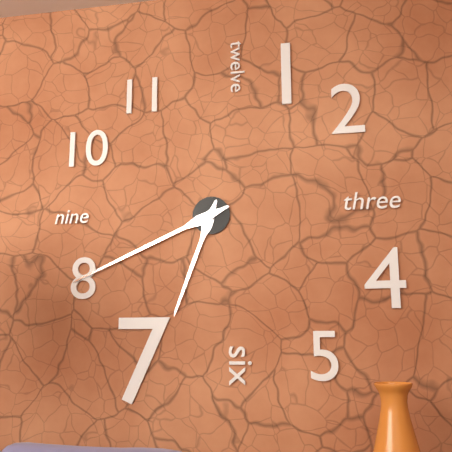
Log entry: {"hour": 6, "minute": 41}
